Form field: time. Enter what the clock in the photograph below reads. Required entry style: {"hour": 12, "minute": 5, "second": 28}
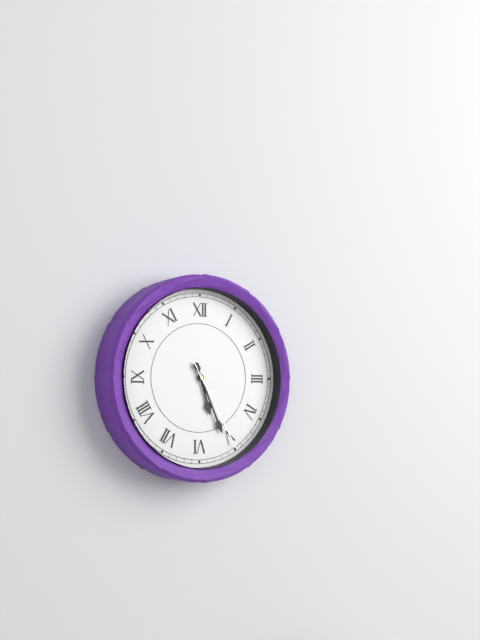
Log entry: {"hour": 5, "minute": 26, "second": 25}
